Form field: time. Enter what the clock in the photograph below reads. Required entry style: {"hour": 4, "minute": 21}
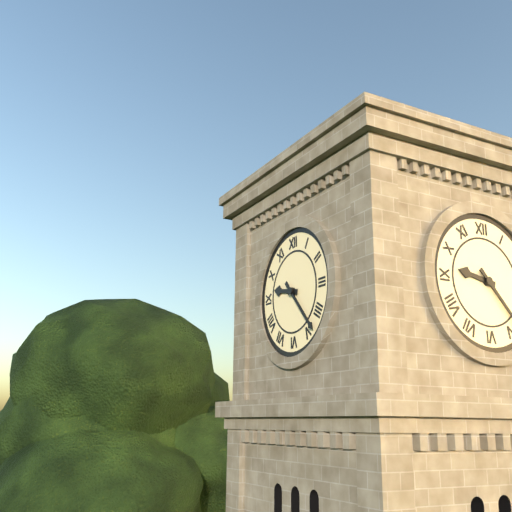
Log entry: {"hour": 9, "minute": 23}
